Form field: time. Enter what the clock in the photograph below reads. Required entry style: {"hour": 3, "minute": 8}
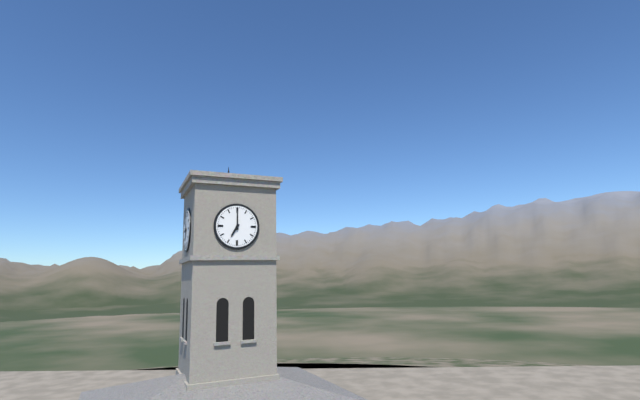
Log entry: {"hour": 7, "minute": 0}
